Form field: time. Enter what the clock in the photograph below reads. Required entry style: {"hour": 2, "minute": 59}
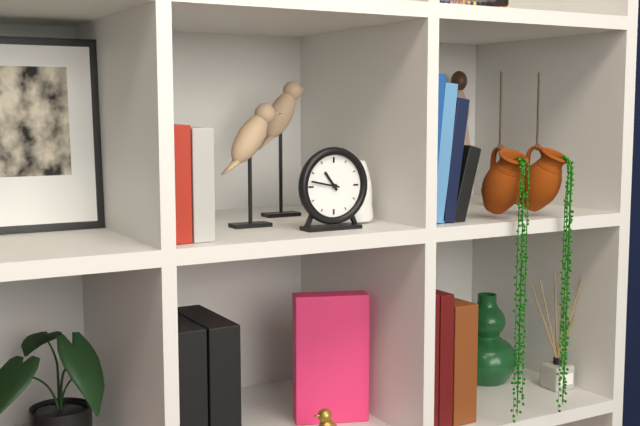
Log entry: {"hour": 10, "minute": 47}
